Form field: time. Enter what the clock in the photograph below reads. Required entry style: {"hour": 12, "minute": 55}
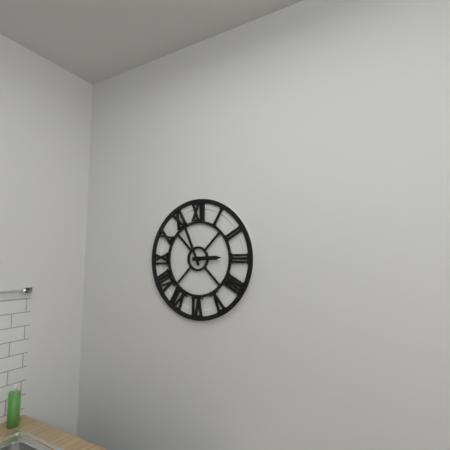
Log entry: {"hour": 2, "minute": 56}
